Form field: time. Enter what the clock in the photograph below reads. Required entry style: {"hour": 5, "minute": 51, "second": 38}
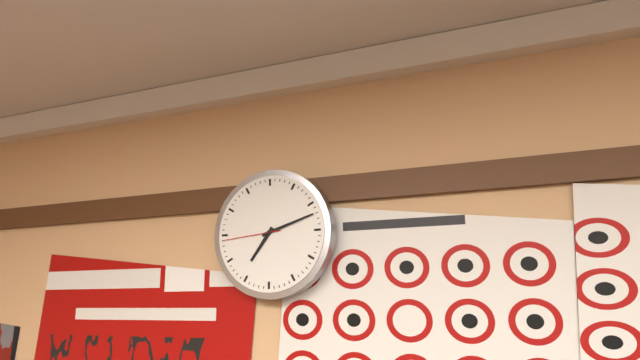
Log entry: {"hour": 7, "minute": 12, "second": 44}
